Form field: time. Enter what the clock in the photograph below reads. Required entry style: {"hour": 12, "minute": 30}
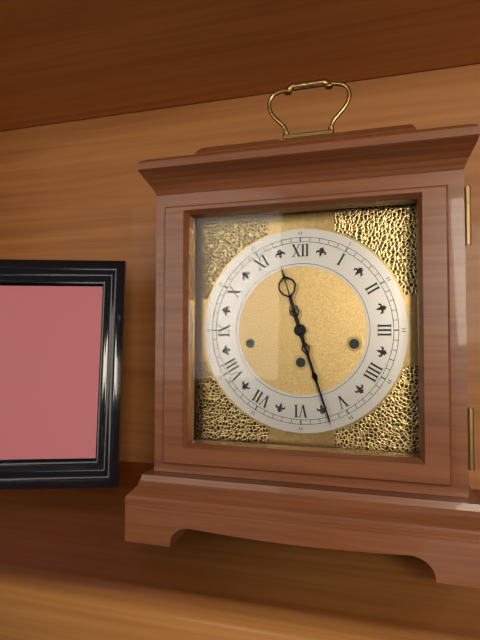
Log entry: {"hour": 11, "minute": 27}
